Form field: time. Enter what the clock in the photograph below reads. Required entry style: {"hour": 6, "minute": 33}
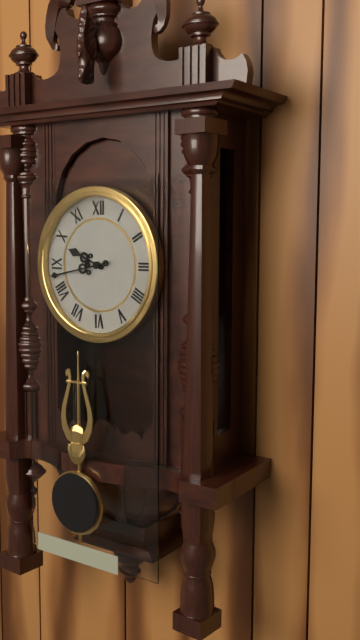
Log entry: {"hour": 9, "minute": 43}
